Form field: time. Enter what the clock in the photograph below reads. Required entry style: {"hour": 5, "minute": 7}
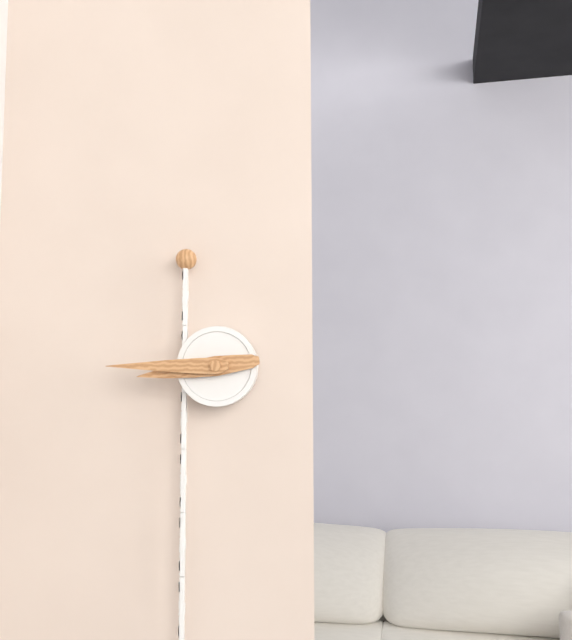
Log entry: {"hour": 8, "minute": 45}
